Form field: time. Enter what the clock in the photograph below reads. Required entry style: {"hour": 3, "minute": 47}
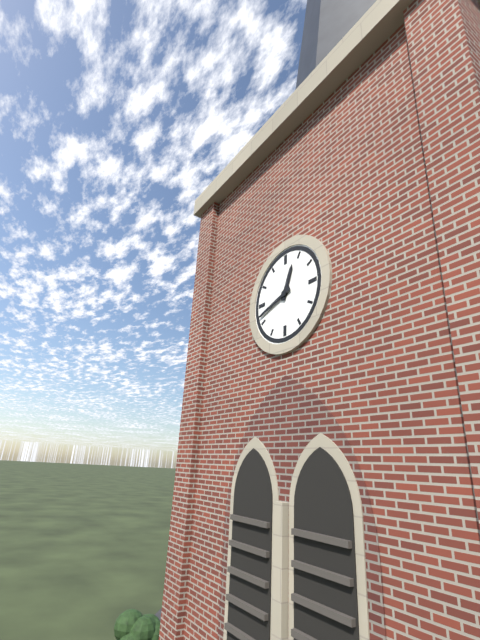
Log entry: {"hour": 12, "minute": 42}
